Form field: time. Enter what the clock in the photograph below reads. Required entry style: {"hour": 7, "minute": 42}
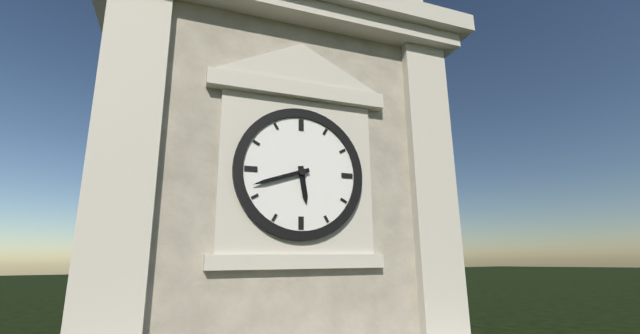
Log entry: {"hour": 5, "minute": 42}
